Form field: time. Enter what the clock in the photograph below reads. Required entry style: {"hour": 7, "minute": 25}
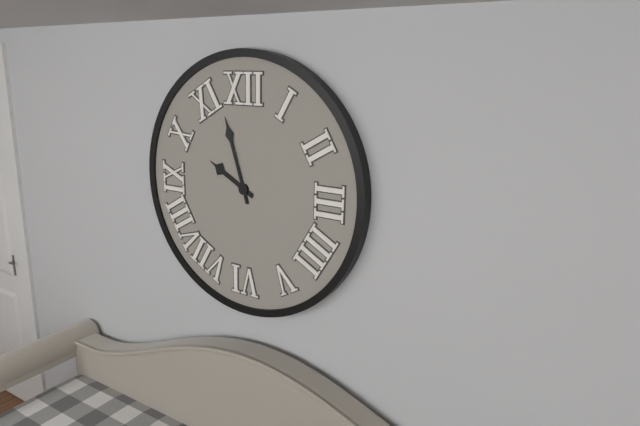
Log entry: {"hour": 9, "minute": 57}
